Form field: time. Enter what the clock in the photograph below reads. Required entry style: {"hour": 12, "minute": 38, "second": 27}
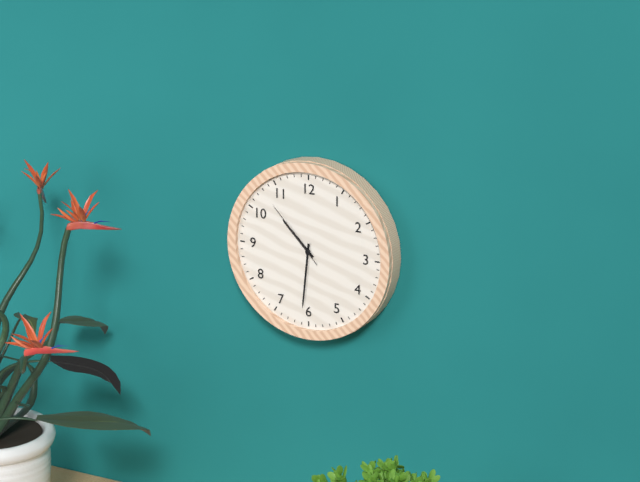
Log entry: {"hour": 10, "minute": 31, "second": 53}
